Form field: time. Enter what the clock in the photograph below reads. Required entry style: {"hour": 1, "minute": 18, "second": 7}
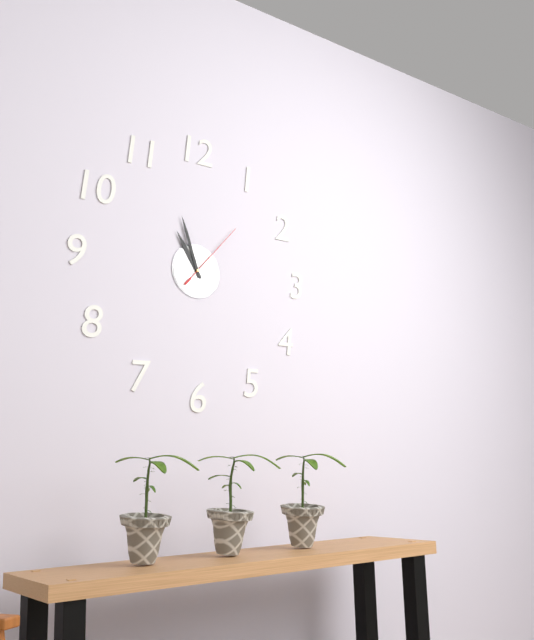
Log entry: {"hour": 10, "minute": 57, "second": 7}
